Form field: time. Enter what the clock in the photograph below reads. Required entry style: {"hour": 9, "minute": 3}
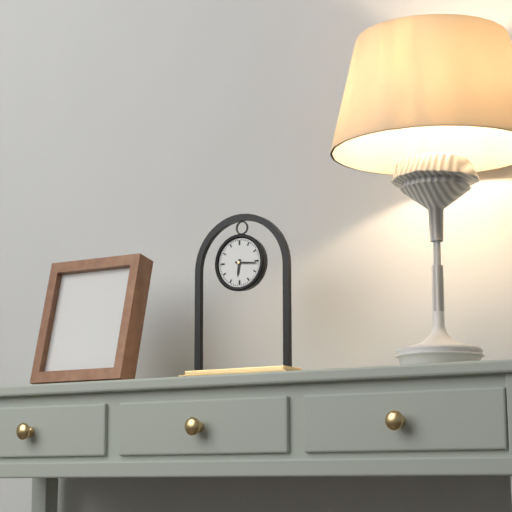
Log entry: {"hour": 6, "minute": 16}
